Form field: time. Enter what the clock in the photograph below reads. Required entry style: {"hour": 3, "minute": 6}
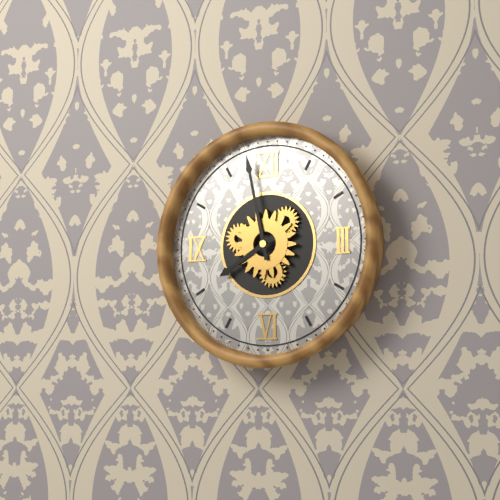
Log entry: {"hour": 7, "minute": 58}
